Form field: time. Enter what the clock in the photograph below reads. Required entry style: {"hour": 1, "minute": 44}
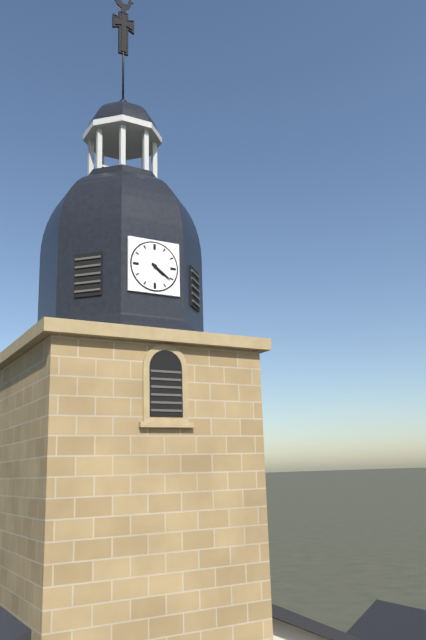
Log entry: {"hour": 4, "minute": 21}
